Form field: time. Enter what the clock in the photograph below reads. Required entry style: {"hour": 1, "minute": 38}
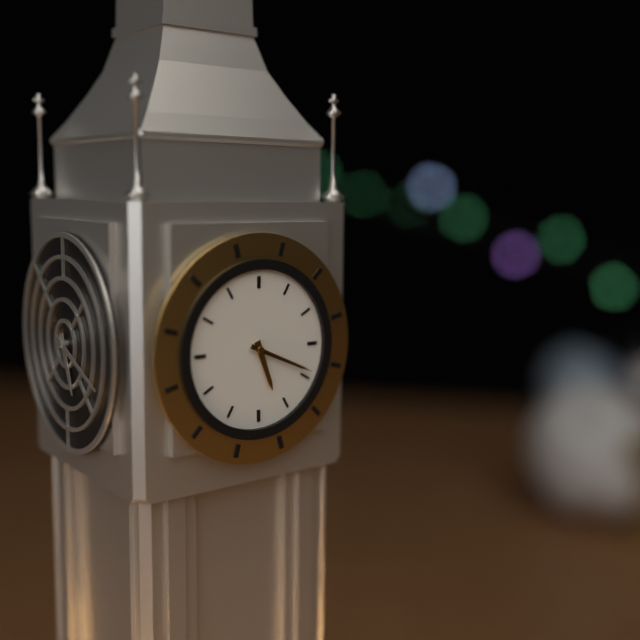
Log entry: {"hour": 5, "minute": 19}
